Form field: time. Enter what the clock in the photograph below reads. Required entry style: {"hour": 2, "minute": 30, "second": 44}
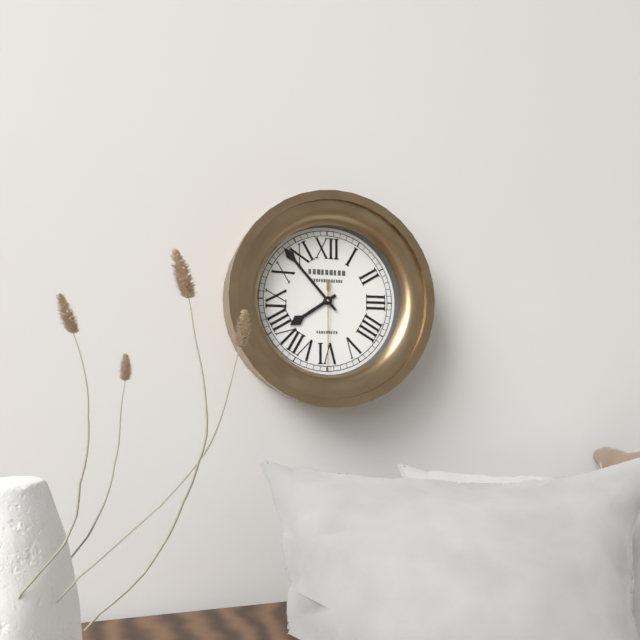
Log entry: {"hour": 7, "minute": 53, "second": 30}
